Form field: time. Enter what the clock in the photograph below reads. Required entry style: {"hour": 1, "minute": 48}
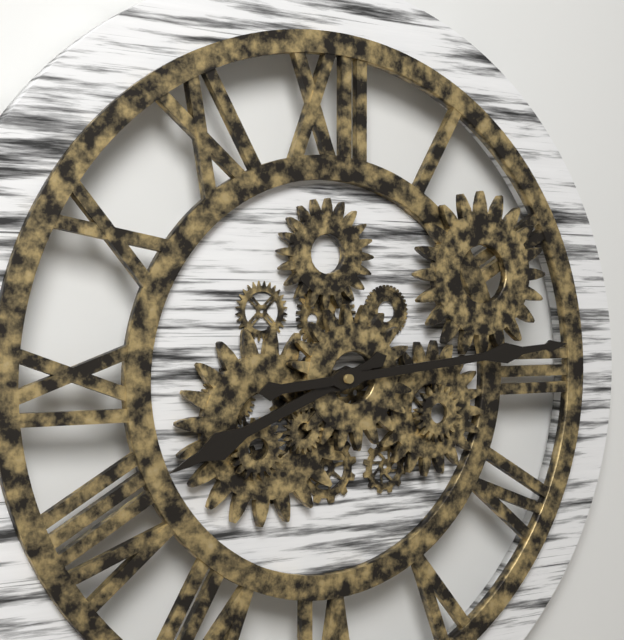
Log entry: {"hour": 8, "minute": 14}
